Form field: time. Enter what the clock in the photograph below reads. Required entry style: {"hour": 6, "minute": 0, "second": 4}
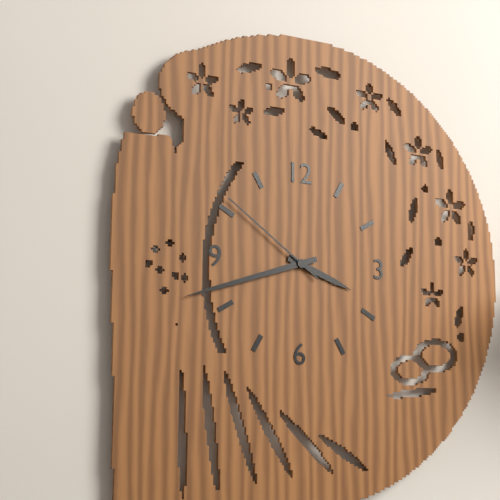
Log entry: {"hour": 3, "minute": 42, "second": 51}
